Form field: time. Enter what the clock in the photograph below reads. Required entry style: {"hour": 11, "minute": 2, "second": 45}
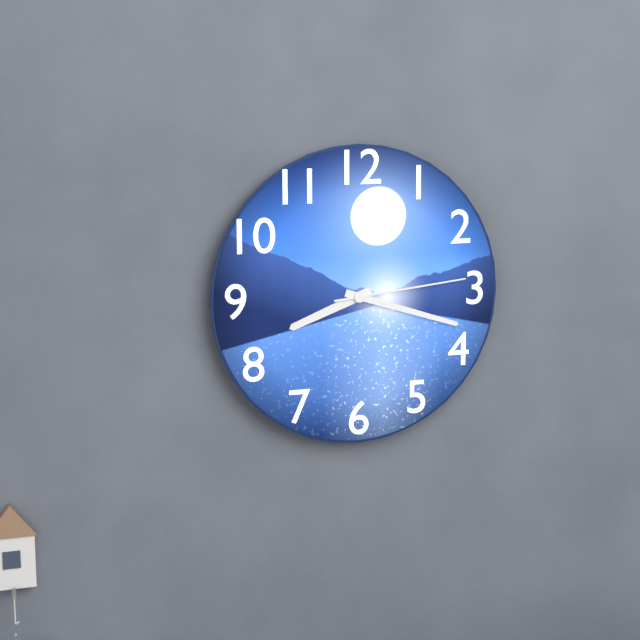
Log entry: {"hour": 8, "minute": 18, "second": 14}
